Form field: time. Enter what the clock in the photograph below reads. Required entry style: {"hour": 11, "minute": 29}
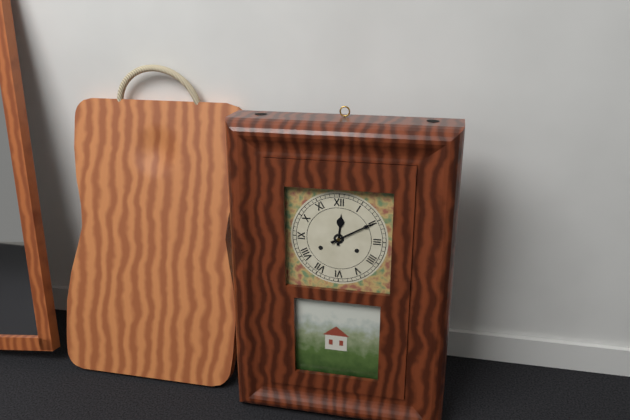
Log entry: {"hour": 12, "minute": 10}
